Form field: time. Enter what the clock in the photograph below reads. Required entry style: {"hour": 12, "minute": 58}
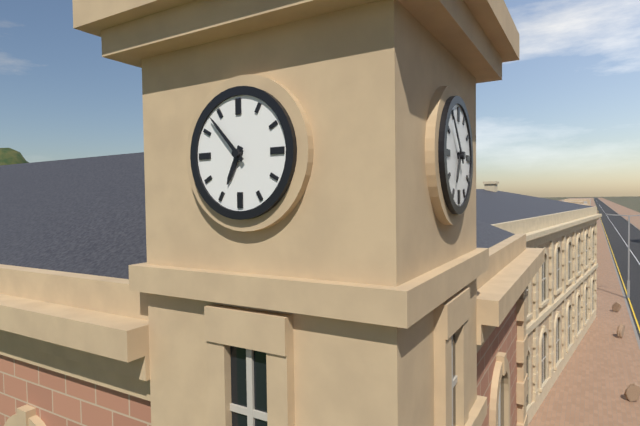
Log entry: {"hour": 6, "minute": 53}
